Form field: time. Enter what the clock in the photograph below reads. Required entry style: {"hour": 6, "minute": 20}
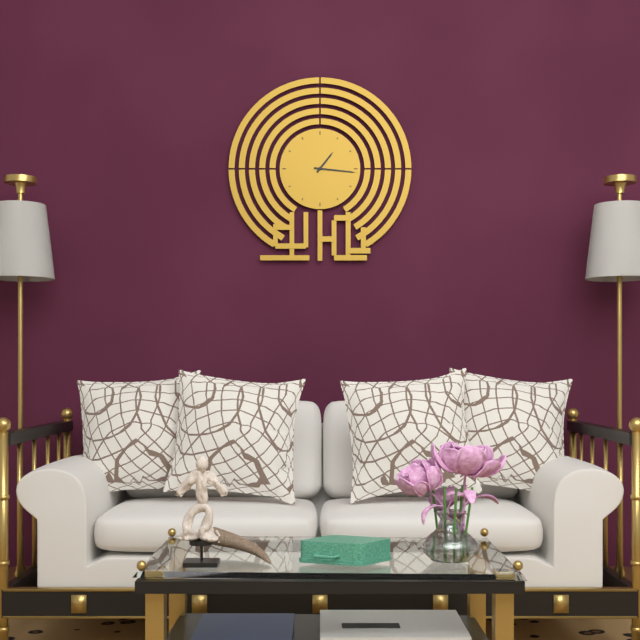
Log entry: {"hour": 1, "minute": 16}
